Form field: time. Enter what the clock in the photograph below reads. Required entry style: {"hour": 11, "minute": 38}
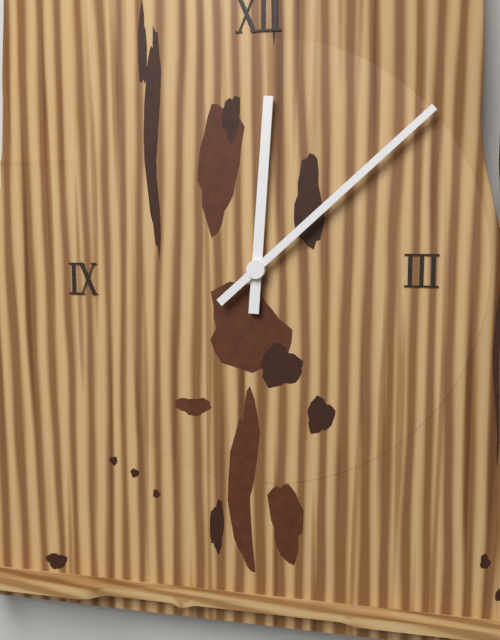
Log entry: {"hour": 12, "minute": 8}
